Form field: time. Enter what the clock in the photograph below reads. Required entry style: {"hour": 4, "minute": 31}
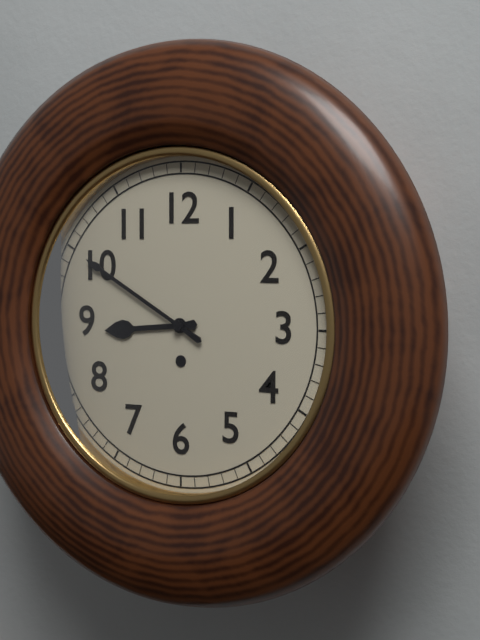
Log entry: {"hour": 8, "minute": 50}
